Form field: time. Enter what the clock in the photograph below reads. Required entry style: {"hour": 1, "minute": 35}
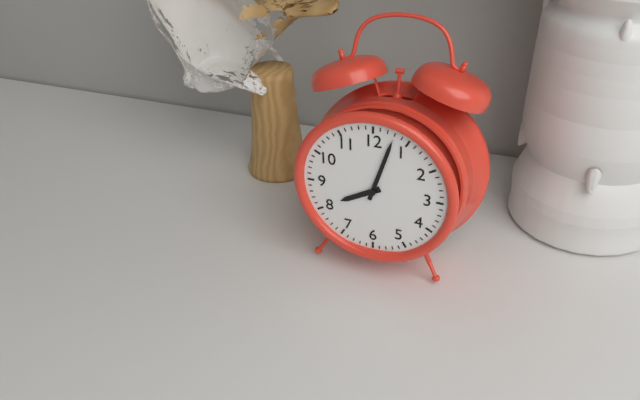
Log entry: {"hour": 8, "minute": 3}
